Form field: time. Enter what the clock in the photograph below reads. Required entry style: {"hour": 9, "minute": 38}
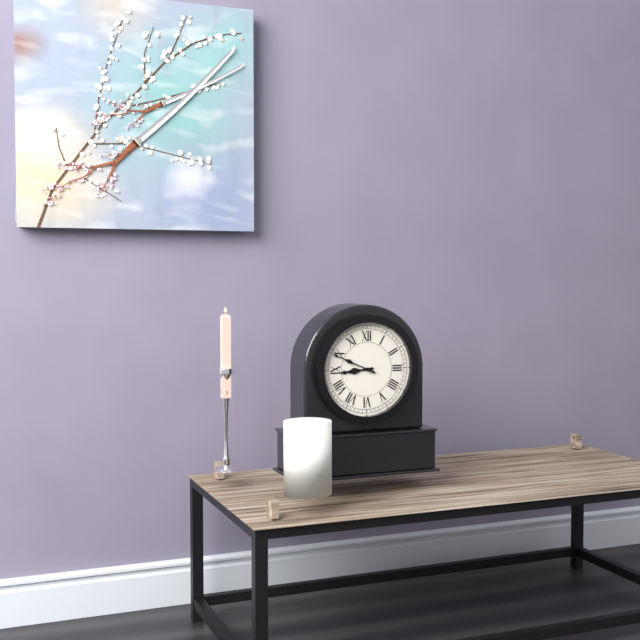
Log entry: {"hour": 8, "minute": 49}
